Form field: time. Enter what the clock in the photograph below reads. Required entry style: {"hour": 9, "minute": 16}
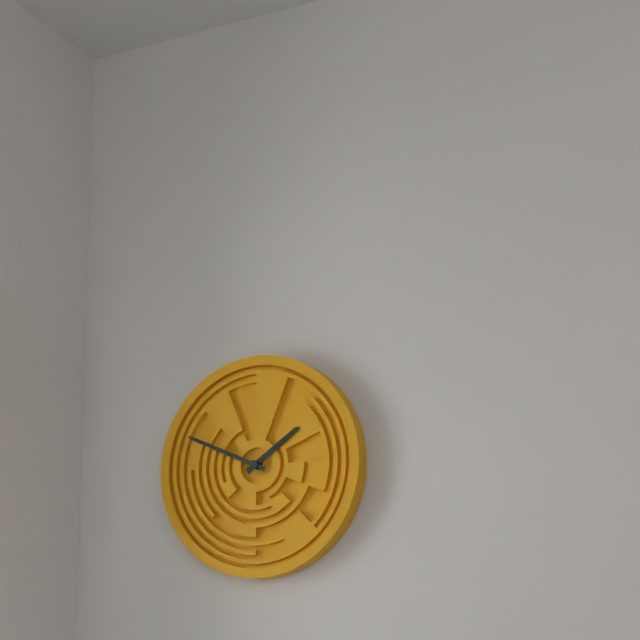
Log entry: {"hour": 1, "minute": 49}
